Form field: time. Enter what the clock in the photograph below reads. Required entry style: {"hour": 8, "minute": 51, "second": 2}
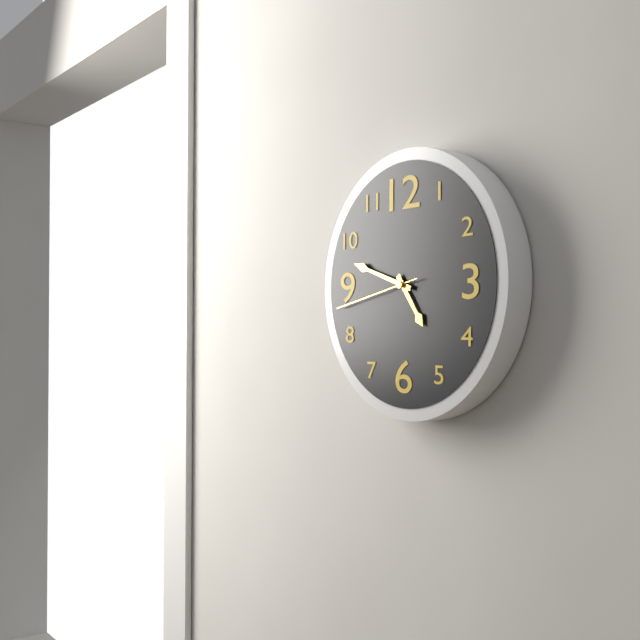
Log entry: {"hour": 4, "minute": 48, "second": 43}
